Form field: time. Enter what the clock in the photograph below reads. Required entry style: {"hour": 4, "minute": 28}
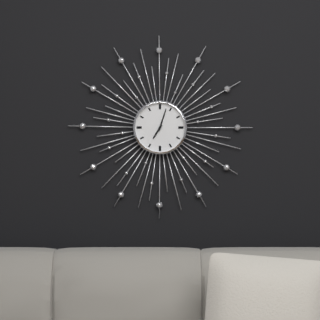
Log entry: {"hour": 7, "minute": 3}
